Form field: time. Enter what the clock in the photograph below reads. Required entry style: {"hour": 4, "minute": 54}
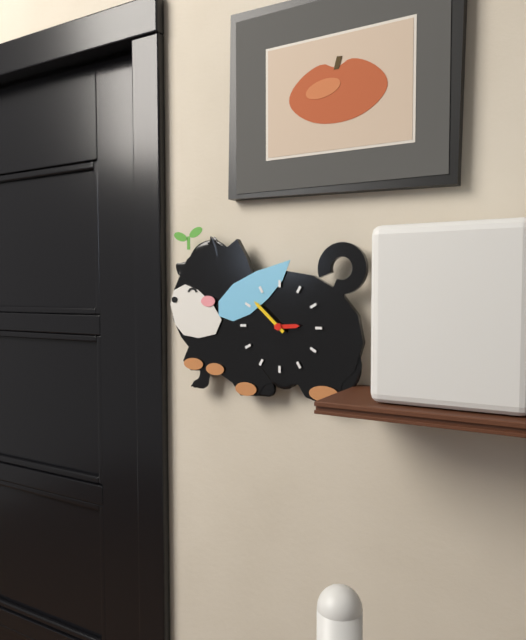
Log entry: {"hour": 2, "minute": 52}
